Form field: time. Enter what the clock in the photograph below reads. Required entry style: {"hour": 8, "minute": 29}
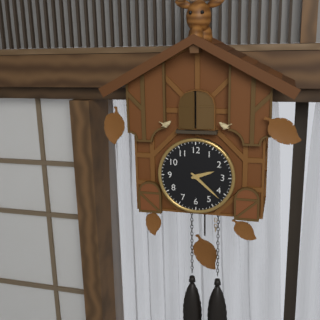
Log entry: {"hour": 2, "minute": 22}
